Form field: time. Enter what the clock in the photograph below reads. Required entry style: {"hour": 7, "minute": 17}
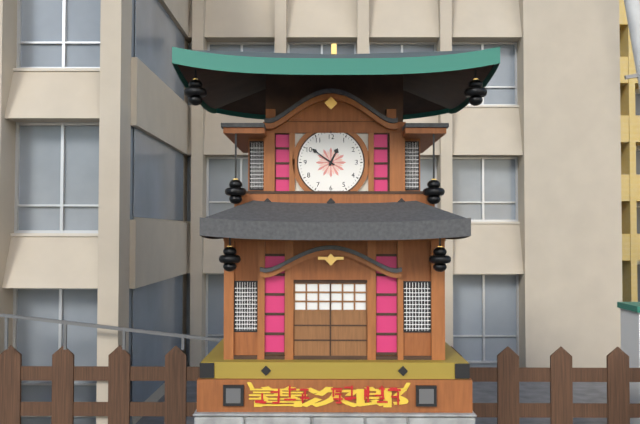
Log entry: {"hour": 12, "minute": 51}
